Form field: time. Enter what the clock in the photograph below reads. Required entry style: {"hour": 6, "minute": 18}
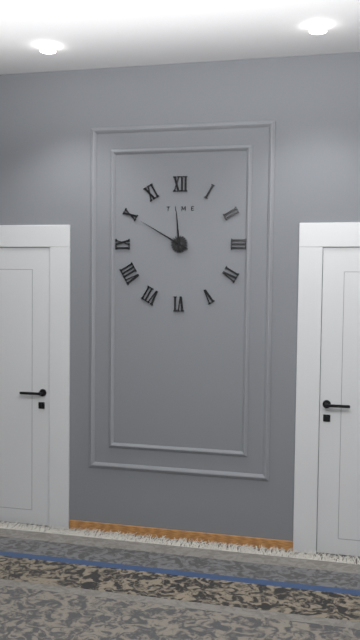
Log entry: {"hour": 11, "minute": 50}
